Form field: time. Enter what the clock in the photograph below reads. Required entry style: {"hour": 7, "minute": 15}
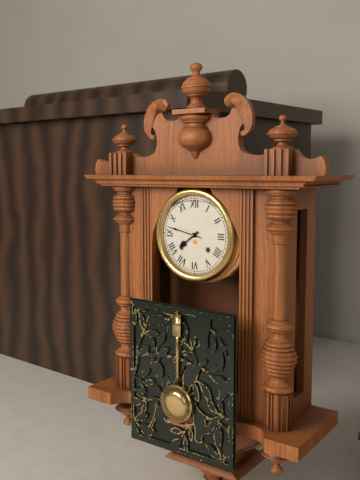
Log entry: {"hour": 7, "minute": 47}
